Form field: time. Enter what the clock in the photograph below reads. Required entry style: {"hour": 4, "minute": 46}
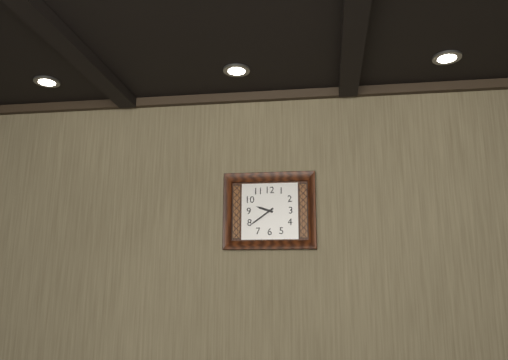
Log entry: {"hour": 9, "minute": 39}
